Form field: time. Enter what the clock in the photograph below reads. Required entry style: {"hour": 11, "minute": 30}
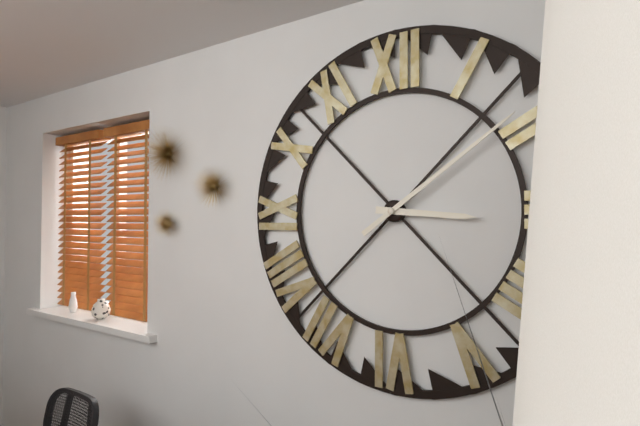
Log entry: {"hour": 3, "minute": 9}
